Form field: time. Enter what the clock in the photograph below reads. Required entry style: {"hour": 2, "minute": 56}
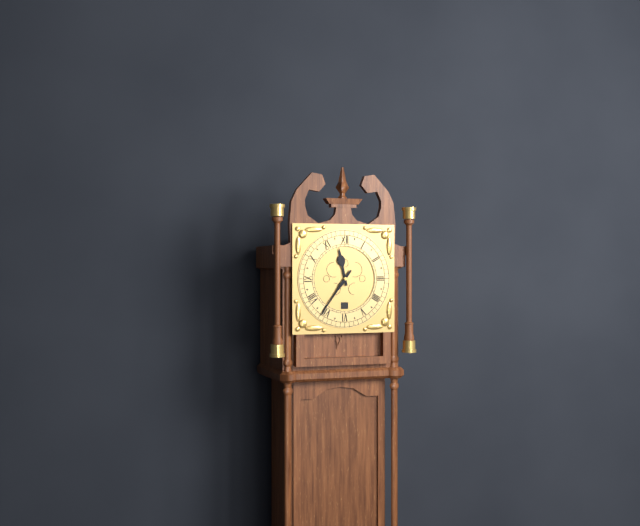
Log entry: {"hour": 11, "minute": 36}
